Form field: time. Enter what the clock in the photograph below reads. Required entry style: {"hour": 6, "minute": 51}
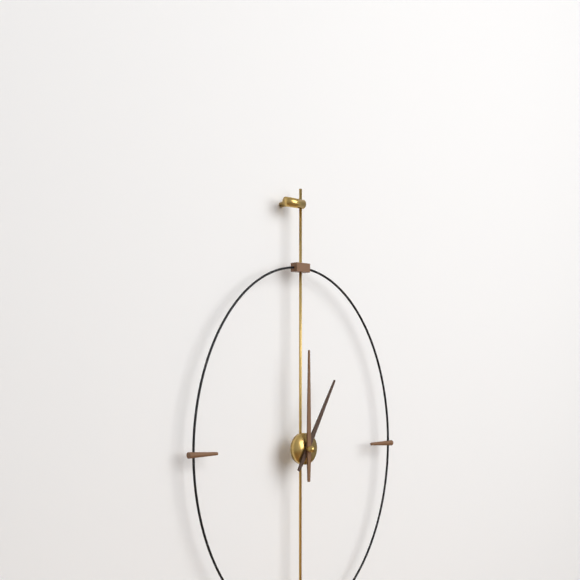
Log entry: {"hour": 1, "minute": 0}
